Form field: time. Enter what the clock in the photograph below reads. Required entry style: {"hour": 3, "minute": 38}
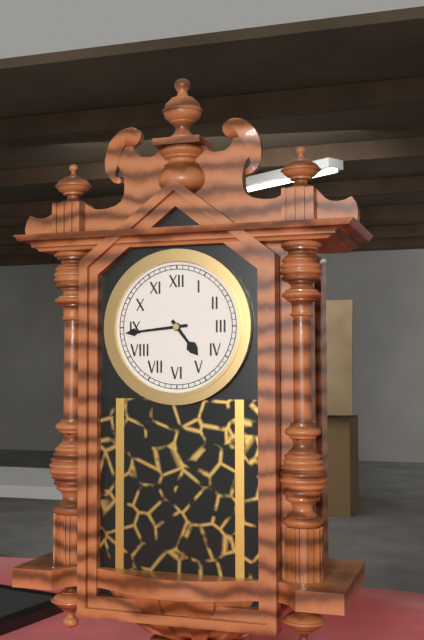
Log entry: {"hour": 4, "minute": 44}
